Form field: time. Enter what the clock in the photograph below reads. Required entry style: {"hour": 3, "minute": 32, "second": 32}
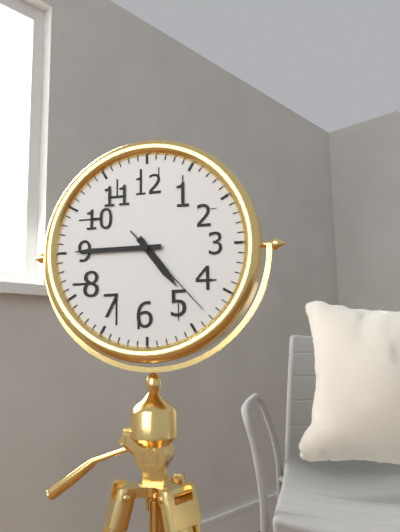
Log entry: {"hour": 4, "minute": 45, "second": 23}
